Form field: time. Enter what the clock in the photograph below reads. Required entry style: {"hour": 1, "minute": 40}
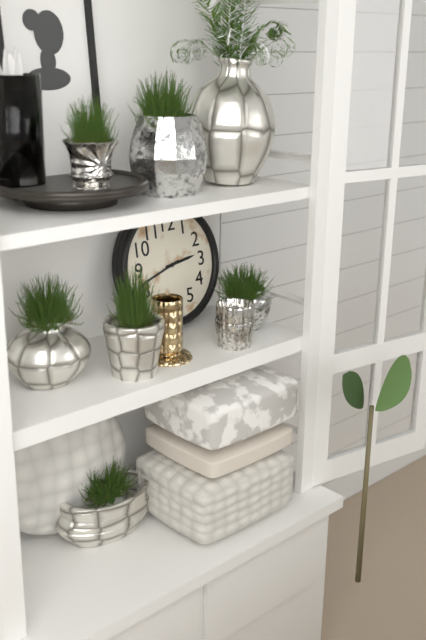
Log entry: {"hour": 2, "minute": 42}
